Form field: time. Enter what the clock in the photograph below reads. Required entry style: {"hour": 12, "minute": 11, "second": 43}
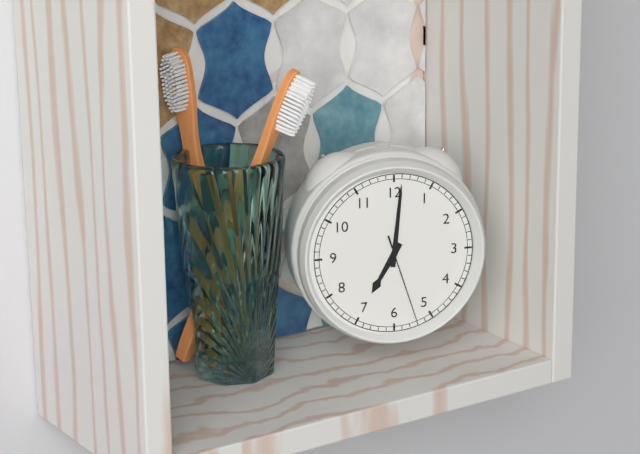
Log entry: {"hour": 7, "minute": 1, "second": 27}
